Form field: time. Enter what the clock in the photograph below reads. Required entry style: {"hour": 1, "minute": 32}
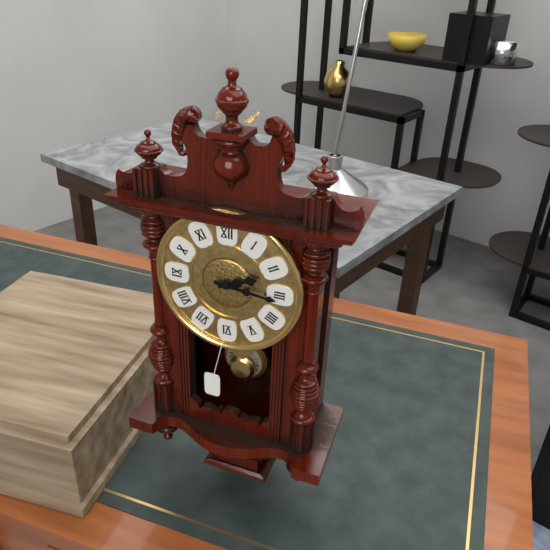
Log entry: {"hour": 2, "minute": 16}
